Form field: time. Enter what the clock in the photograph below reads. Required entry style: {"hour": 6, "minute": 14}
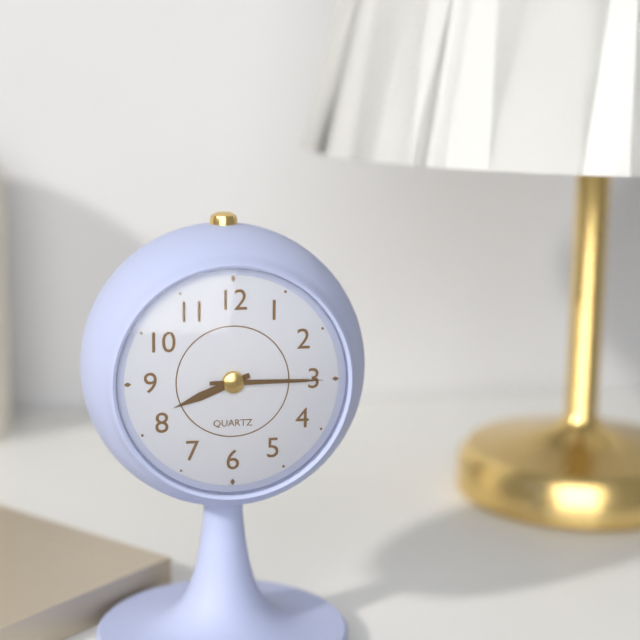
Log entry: {"hour": 8, "minute": 15}
